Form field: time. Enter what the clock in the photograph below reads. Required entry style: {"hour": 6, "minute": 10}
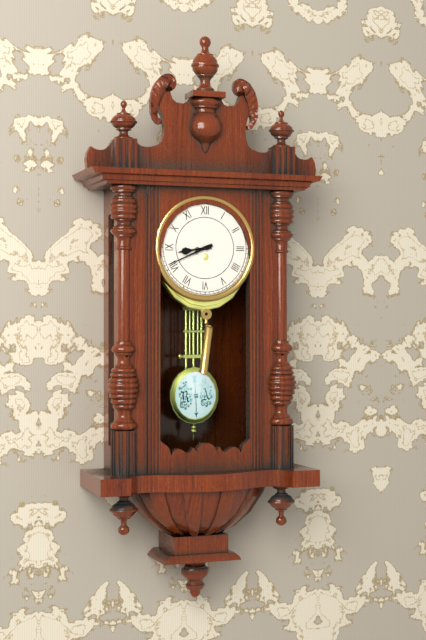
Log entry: {"hour": 8, "minute": 41}
